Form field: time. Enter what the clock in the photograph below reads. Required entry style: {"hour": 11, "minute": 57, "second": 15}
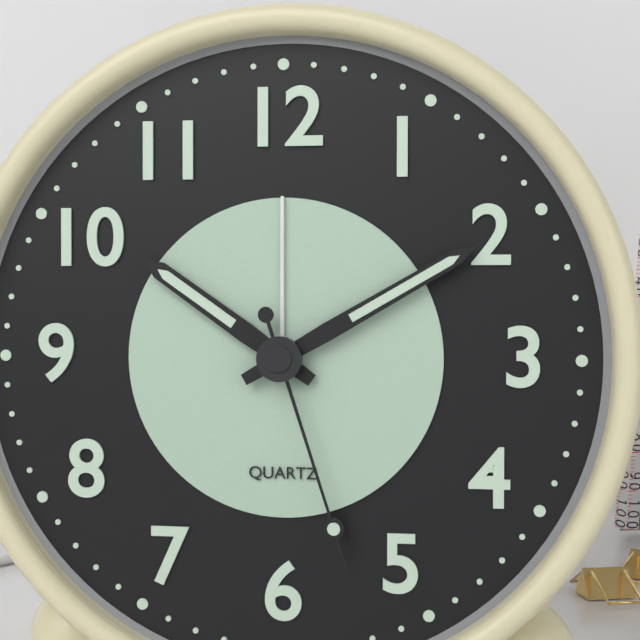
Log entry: {"hour": 10, "minute": 10, "second": 27}
